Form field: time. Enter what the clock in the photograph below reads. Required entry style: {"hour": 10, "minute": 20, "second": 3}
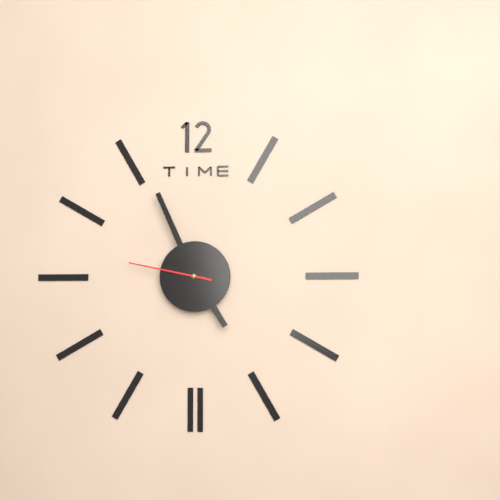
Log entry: {"hour": 4, "minute": 56, "second": 47}
